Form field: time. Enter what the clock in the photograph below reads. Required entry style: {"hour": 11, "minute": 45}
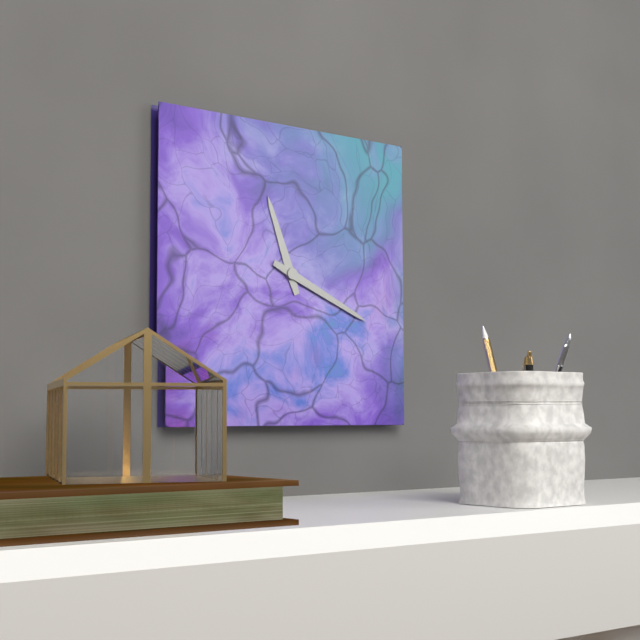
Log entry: {"hour": 11, "minute": 19}
